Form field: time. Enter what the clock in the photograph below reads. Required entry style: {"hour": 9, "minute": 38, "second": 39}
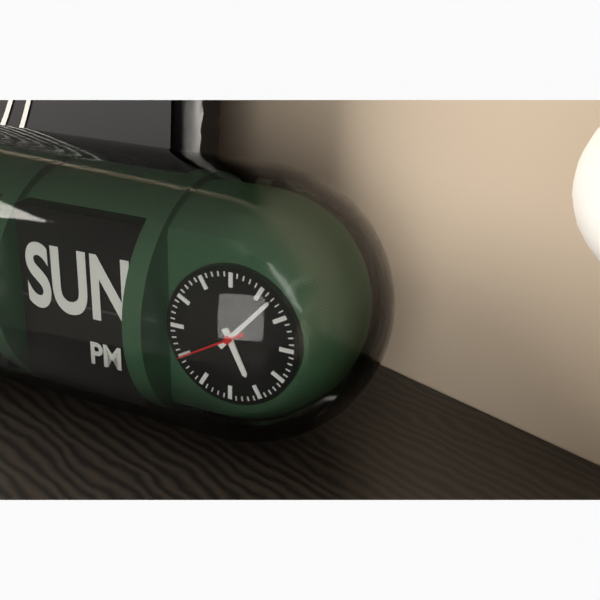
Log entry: {"hour": 5, "minute": 7, "second": 40}
